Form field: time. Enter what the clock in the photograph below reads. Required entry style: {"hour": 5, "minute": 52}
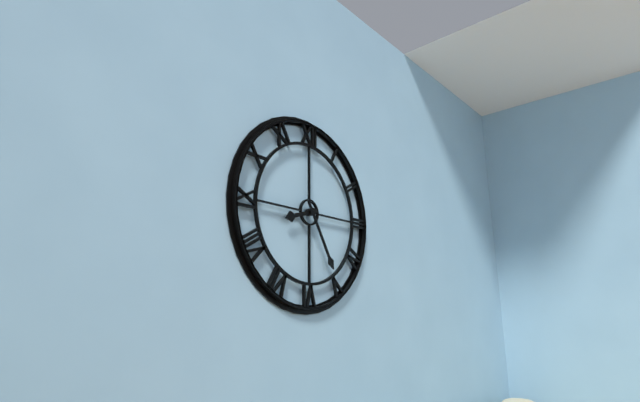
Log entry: {"hour": 8, "minute": 25}
